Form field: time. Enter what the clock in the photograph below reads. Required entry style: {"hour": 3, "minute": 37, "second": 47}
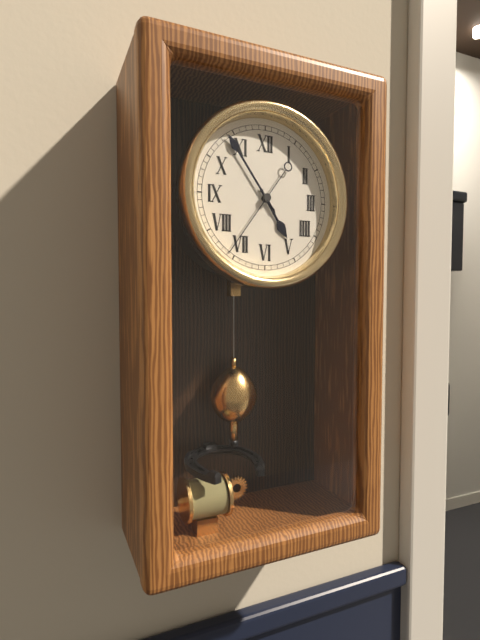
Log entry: {"hour": 4, "minute": 54, "second": 36}
